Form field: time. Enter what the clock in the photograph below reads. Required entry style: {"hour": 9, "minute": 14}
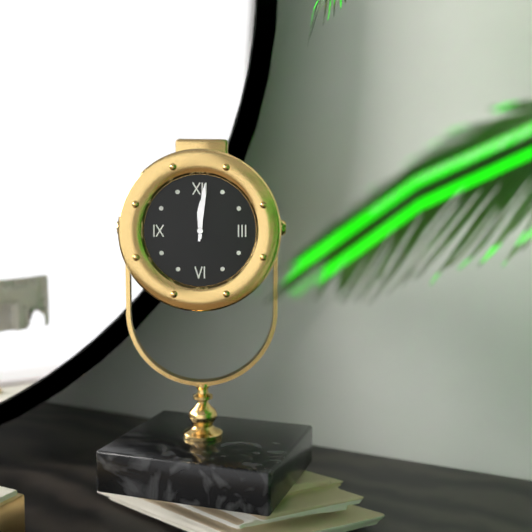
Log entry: {"hour": 12, "minute": 1}
